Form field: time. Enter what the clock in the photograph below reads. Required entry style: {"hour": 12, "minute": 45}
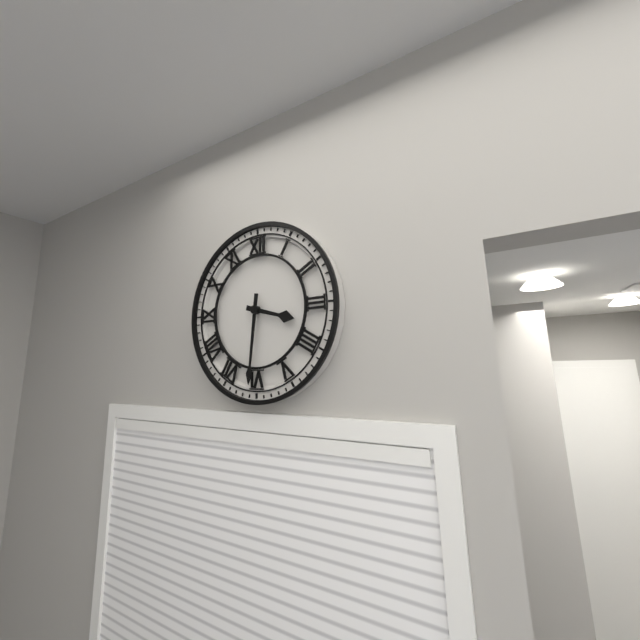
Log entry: {"hour": 3, "minute": 31}
